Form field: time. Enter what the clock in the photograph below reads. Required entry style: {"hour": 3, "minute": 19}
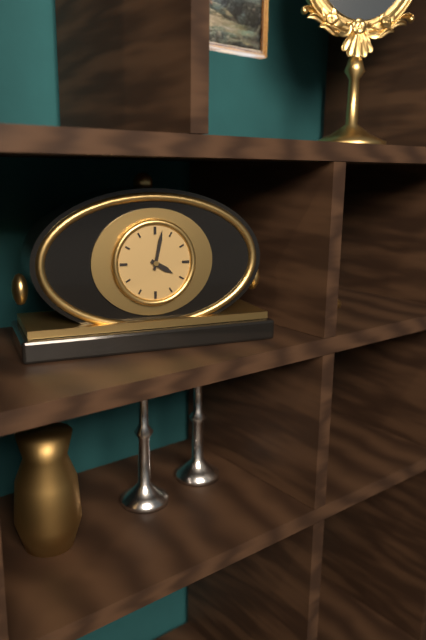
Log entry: {"hour": 4, "minute": 2}
